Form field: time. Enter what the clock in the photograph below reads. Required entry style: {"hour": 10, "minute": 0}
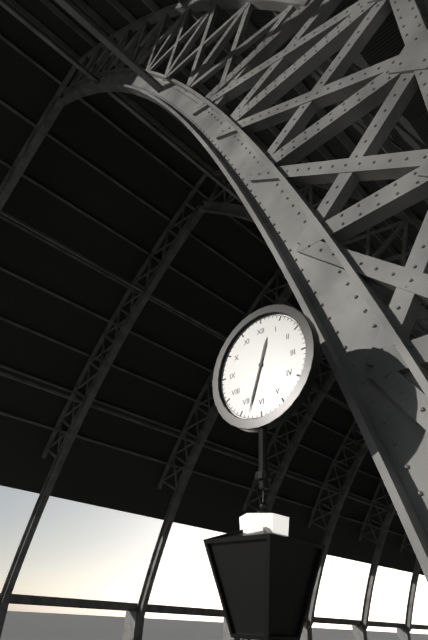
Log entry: {"hour": 12, "minute": 33}
